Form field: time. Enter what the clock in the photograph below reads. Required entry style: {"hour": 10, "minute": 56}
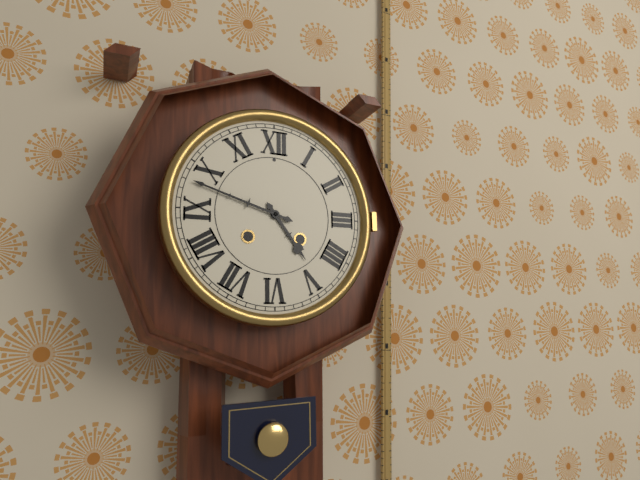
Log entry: {"hour": 4, "minute": 48}
